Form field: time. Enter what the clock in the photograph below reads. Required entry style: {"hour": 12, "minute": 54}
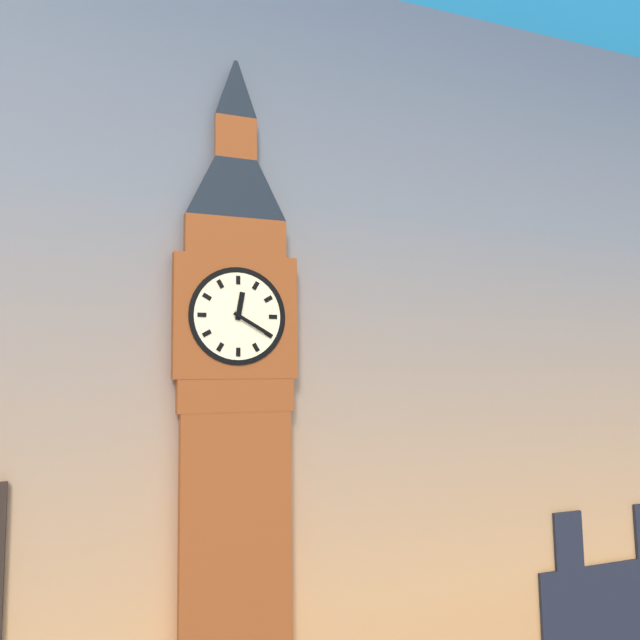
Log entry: {"hour": 12, "minute": 20}
